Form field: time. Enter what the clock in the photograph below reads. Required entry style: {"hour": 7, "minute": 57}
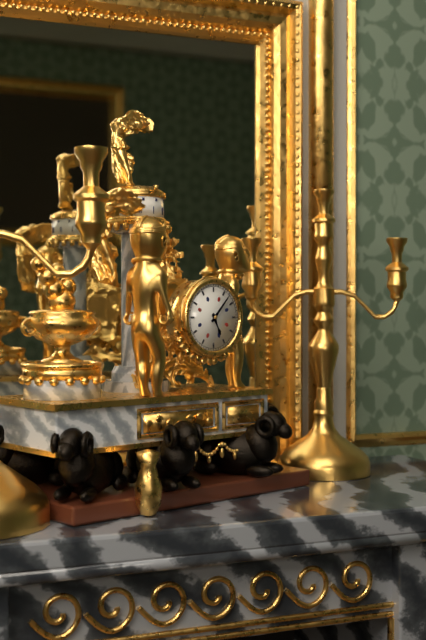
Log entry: {"hour": 5, "minute": 7}
